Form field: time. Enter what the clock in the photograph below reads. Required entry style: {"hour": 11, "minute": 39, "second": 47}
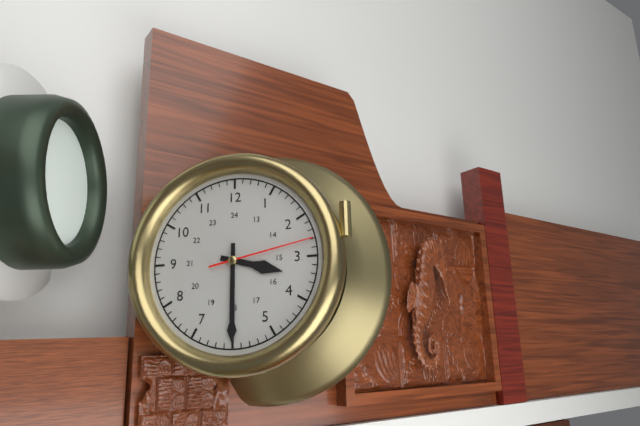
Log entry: {"hour": 3, "minute": 30, "second": 13}
